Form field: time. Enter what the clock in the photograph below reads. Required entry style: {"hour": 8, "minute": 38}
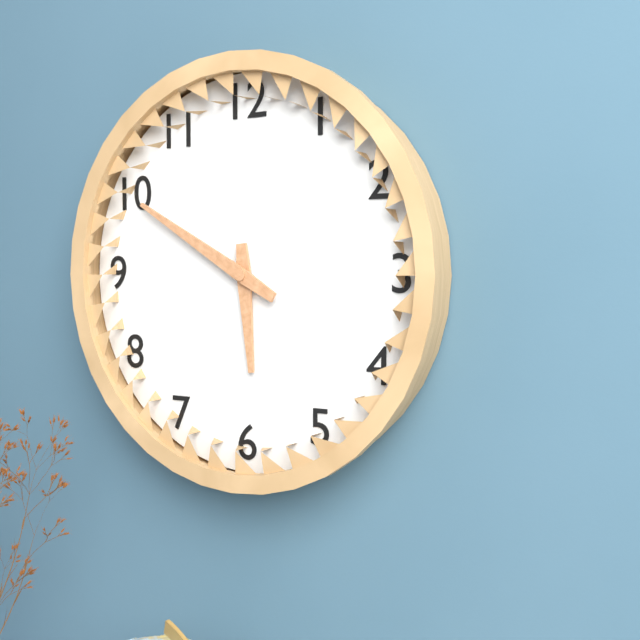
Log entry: {"hour": 5, "minute": 50}
